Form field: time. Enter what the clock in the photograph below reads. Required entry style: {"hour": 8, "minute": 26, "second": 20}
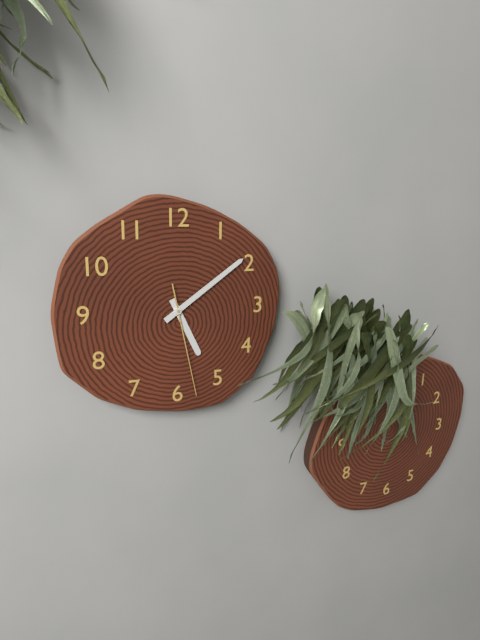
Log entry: {"hour": 5, "minute": 9, "second": 28}
